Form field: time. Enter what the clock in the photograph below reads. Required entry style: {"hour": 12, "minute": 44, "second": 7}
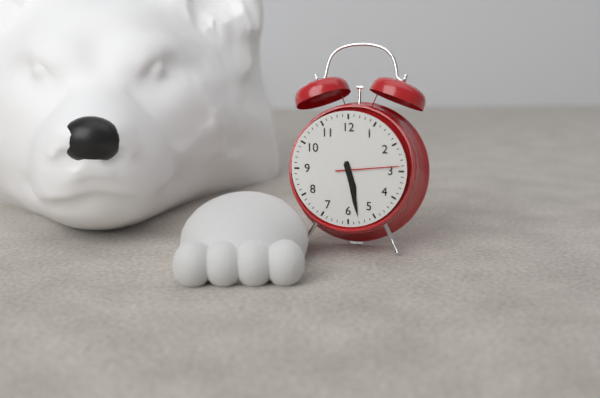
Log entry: {"hour": 5, "minute": 28, "second": 14}
